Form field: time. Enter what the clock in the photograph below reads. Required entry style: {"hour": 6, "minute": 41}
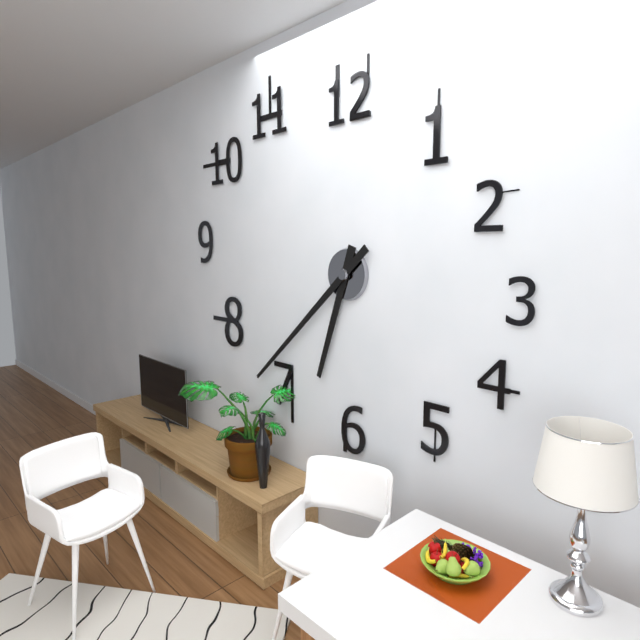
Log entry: {"hour": 6, "minute": 38}
